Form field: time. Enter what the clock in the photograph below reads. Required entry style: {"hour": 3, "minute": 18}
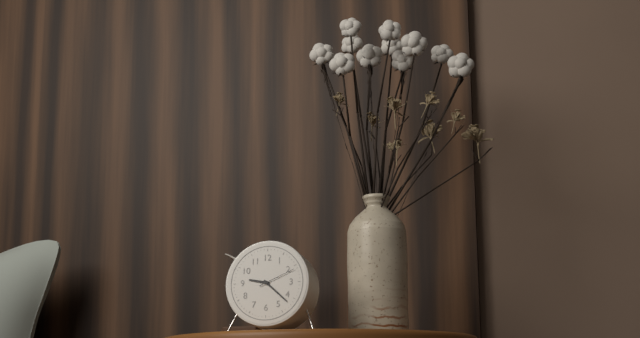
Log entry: {"hour": 9, "minute": 22}
